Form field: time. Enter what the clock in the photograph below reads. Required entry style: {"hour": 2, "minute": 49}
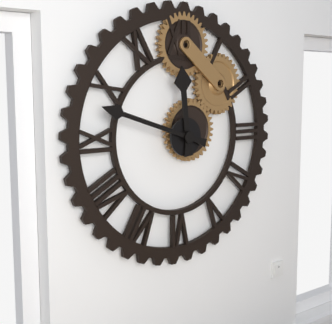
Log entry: {"hour": 11, "minute": 48}
